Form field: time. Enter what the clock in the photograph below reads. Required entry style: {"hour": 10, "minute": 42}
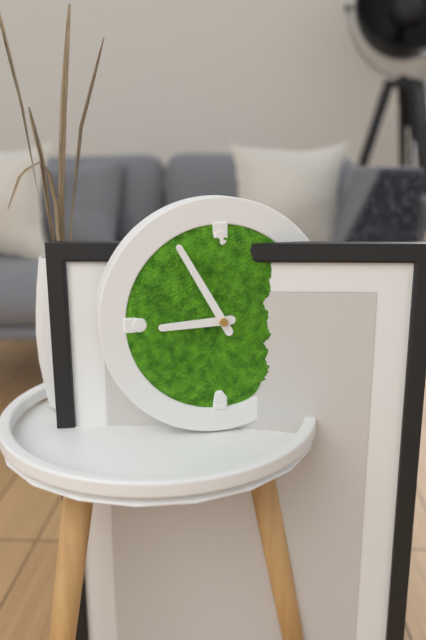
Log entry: {"hour": 8, "minute": 55}
